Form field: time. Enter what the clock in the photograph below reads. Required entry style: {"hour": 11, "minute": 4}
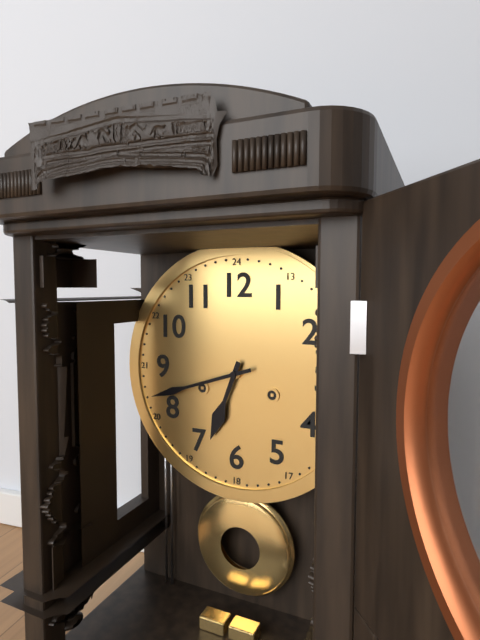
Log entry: {"hour": 6, "minute": 42}
